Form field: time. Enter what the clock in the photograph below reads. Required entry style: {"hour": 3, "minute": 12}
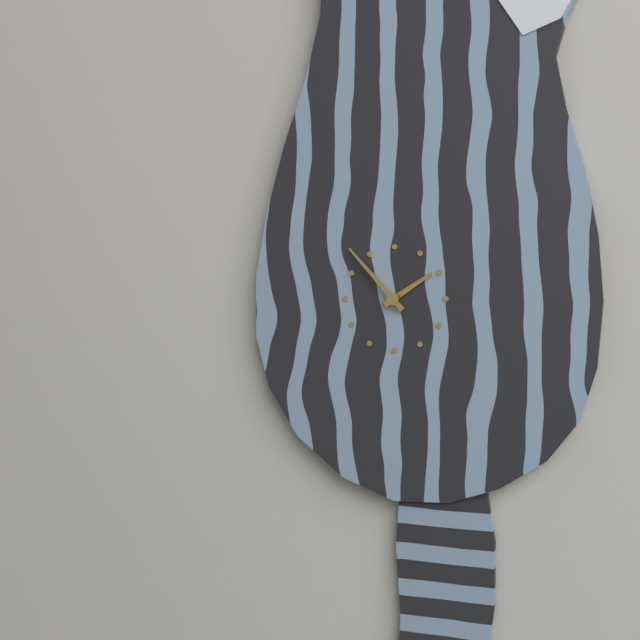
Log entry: {"hour": 1, "minute": 53}
